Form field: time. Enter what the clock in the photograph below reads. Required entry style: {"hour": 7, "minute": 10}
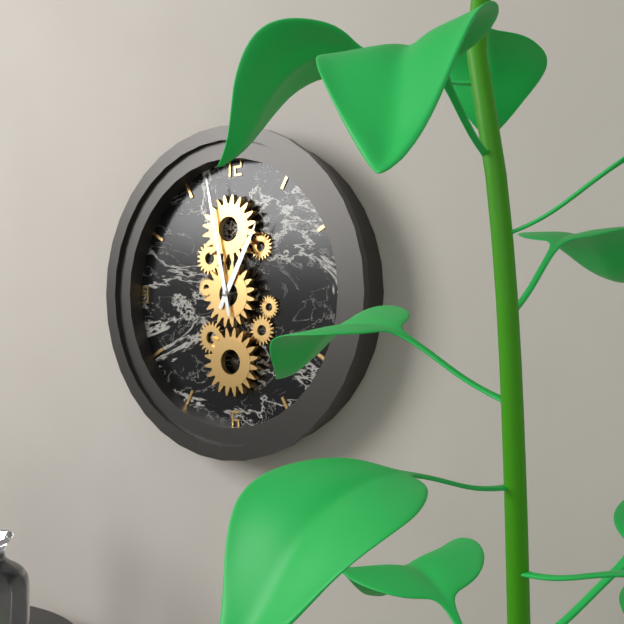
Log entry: {"hour": 12, "minute": 58}
